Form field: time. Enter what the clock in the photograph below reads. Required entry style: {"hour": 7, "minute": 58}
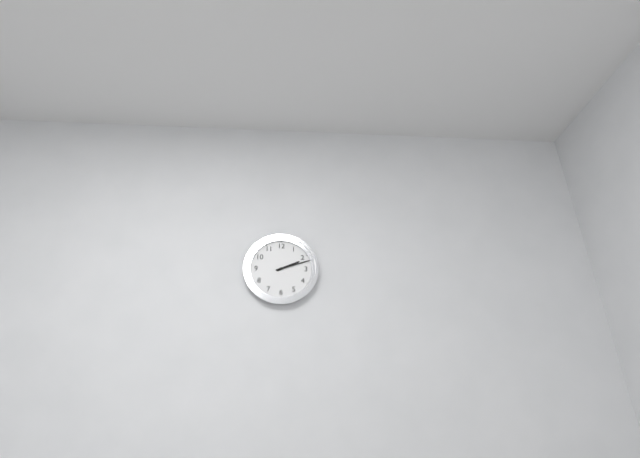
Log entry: {"hour": 2, "minute": 12}
